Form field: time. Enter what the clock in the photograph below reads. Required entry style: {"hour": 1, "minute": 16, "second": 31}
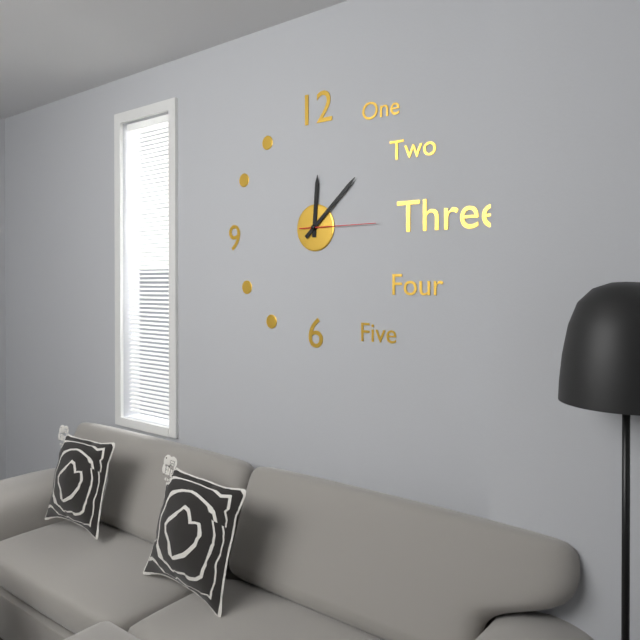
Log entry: {"hour": 12, "minute": 8, "second": 15}
